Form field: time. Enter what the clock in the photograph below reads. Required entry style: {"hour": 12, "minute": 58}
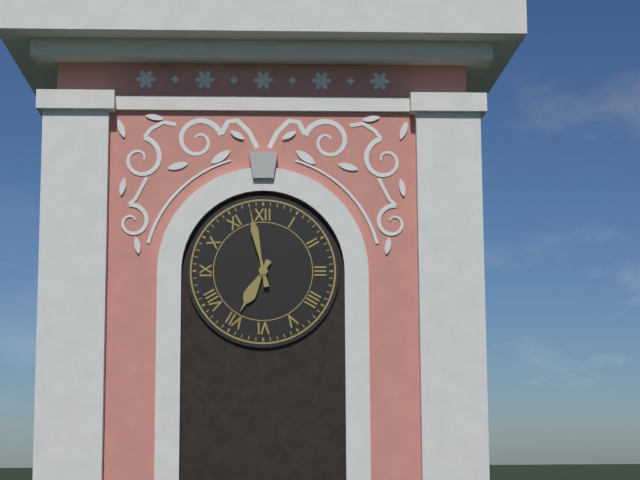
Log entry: {"hour": 6, "minute": 58}
